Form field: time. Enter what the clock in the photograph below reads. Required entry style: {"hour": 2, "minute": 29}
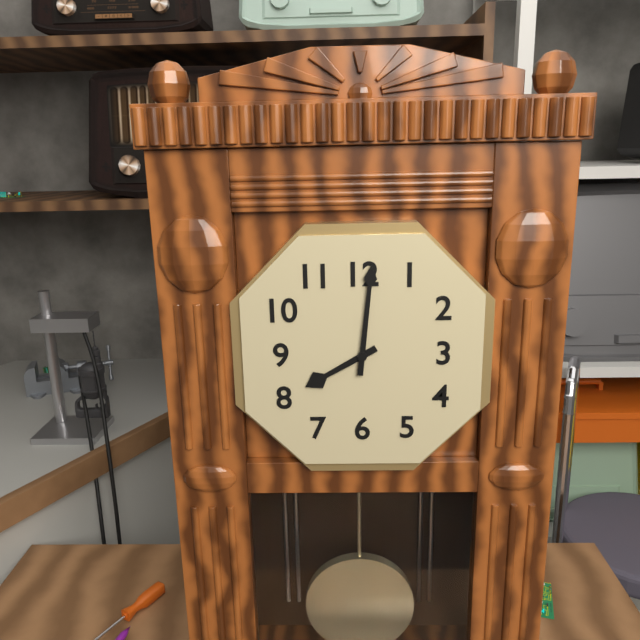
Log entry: {"hour": 8, "minute": 1}
